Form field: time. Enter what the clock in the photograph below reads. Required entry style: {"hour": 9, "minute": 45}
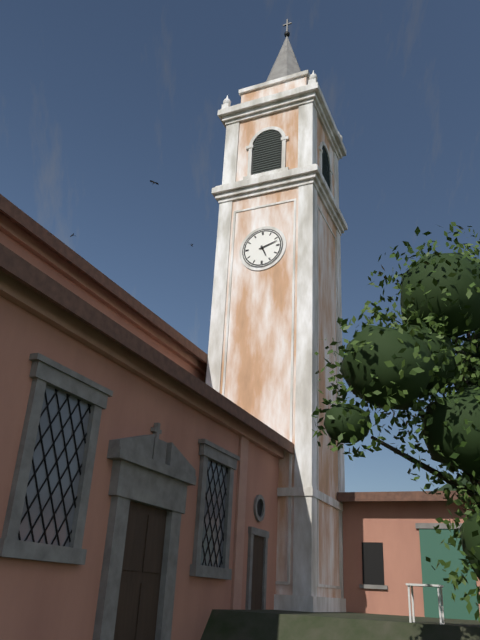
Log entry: {"hour": 5, "minute": 12}
